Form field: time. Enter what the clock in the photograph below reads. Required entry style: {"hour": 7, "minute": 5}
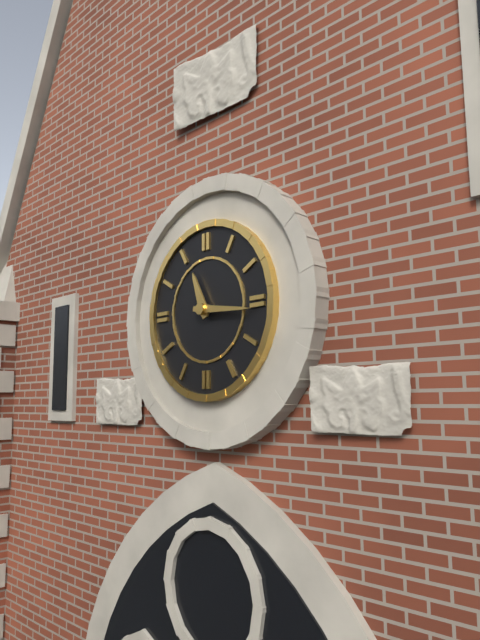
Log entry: {"hour": 11, "minute": 16}
